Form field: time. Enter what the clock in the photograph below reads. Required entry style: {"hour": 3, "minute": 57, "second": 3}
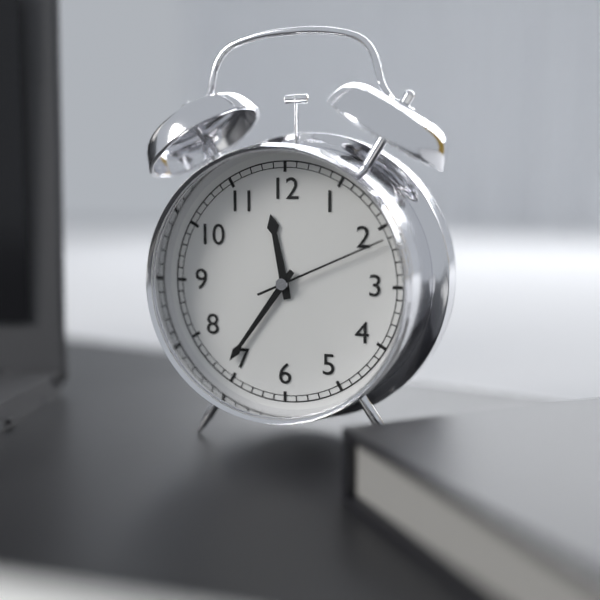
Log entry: {"hour": 11, "minute": 36, "second": 11}
